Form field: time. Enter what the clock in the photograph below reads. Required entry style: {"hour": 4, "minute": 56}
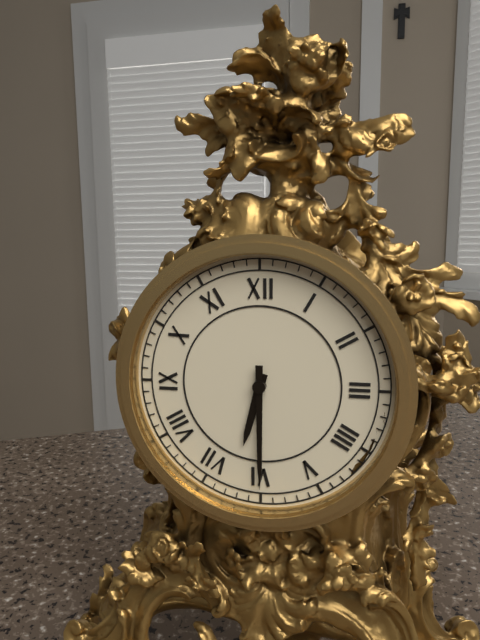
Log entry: {"hour": 6, "minute": 30}
